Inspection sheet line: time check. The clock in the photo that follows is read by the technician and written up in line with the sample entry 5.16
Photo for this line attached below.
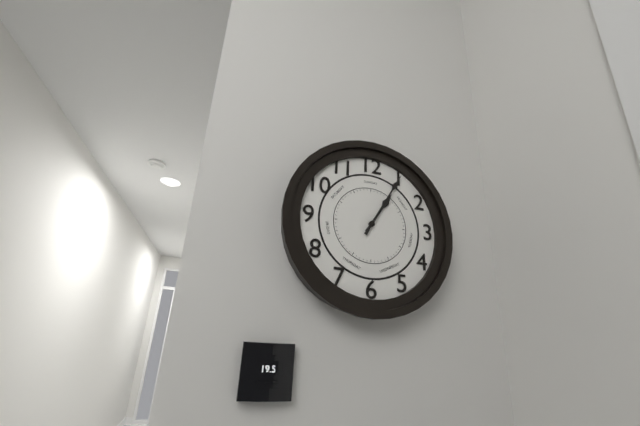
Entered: 1.05
